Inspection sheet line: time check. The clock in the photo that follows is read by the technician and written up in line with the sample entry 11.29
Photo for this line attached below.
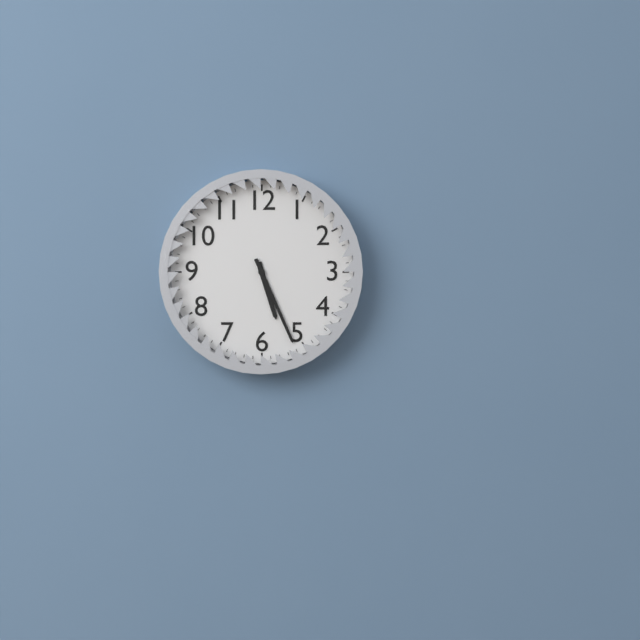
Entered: 5.26
